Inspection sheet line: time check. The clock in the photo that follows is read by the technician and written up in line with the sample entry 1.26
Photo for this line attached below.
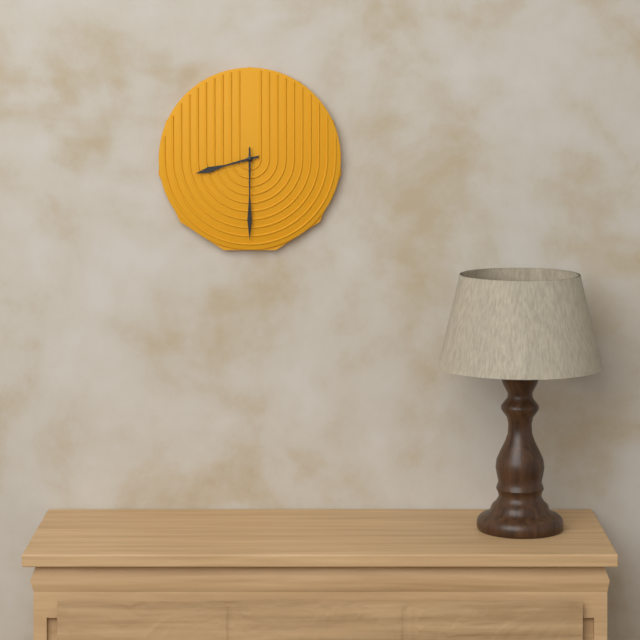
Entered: 8.30
